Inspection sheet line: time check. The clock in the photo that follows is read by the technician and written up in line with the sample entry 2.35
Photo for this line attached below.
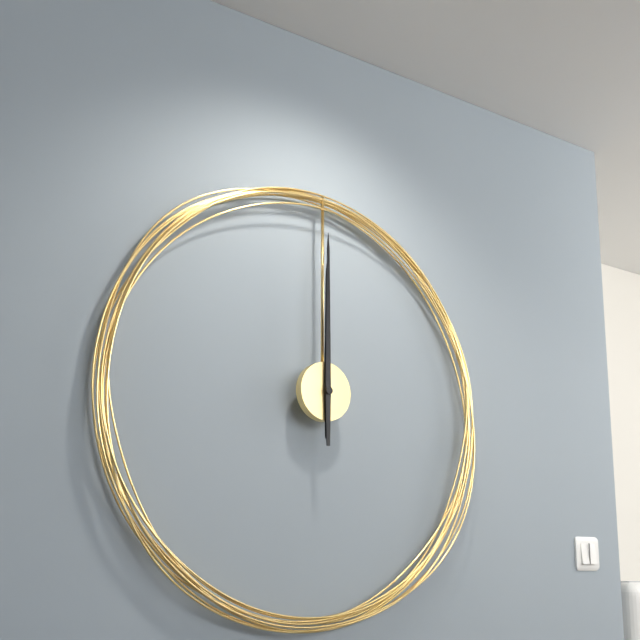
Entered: 12.00
